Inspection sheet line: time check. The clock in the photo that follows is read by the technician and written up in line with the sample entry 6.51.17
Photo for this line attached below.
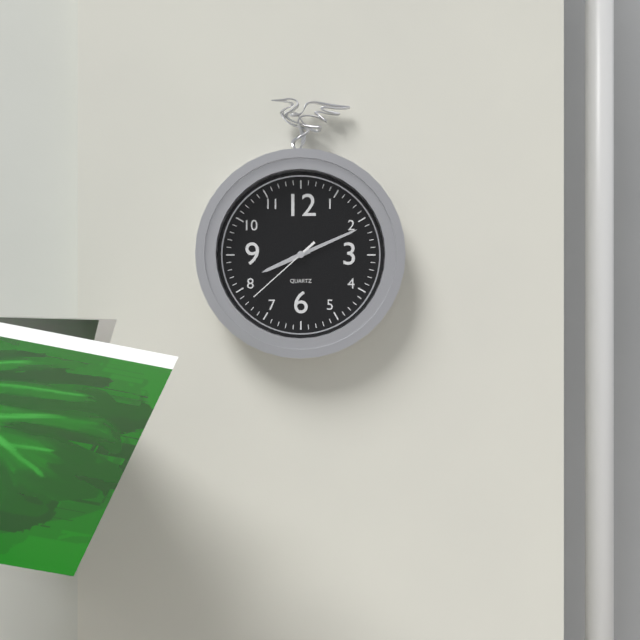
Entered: 8.11.38
